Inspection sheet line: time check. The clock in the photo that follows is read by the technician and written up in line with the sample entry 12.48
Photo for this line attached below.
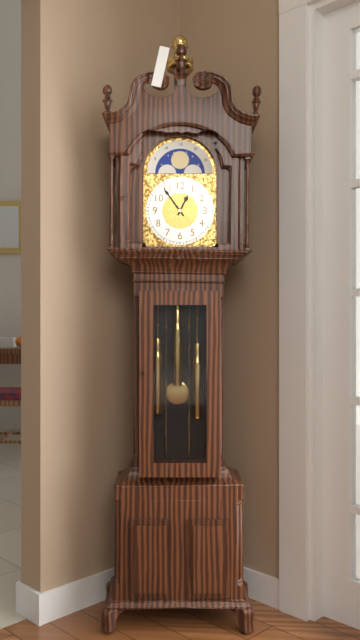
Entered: 12.54
